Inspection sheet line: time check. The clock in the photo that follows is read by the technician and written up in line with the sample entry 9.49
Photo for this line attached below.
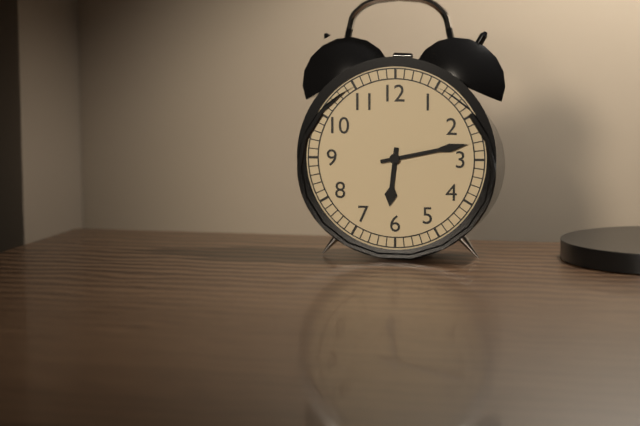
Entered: 6.13
